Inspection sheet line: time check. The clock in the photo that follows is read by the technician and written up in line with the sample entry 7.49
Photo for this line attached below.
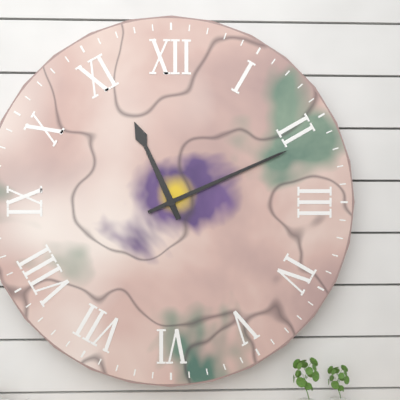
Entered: 11.11
